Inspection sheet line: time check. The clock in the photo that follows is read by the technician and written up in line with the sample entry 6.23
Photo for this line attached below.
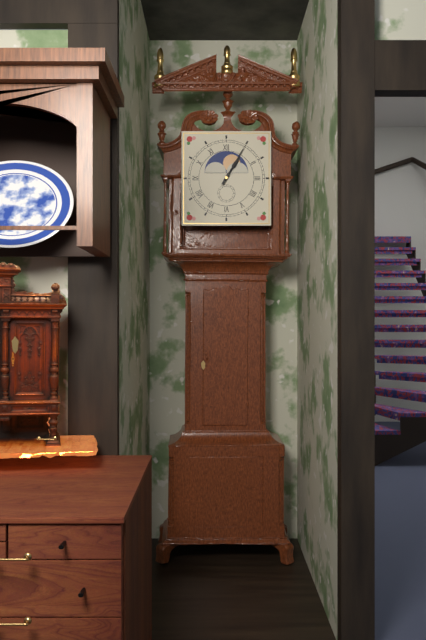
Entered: 1.05
